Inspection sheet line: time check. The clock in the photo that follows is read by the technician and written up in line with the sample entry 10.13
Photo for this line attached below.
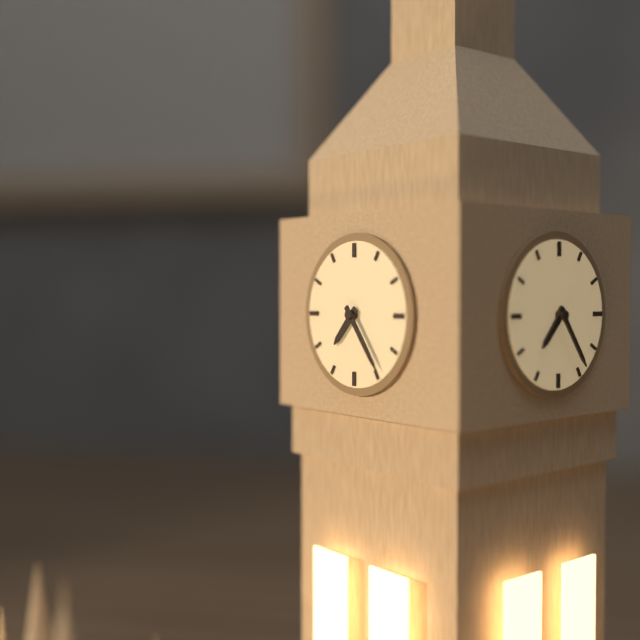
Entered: 7.24
